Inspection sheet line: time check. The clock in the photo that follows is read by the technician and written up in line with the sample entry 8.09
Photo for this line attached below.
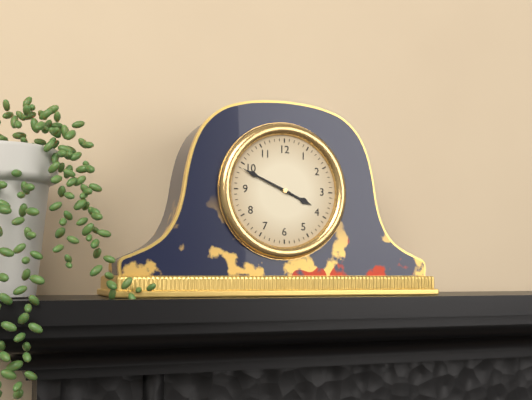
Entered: 3.49
